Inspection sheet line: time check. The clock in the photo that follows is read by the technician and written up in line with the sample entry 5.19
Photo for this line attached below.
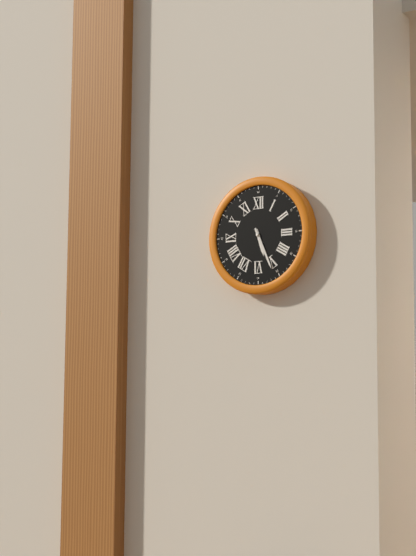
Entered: 5.26
